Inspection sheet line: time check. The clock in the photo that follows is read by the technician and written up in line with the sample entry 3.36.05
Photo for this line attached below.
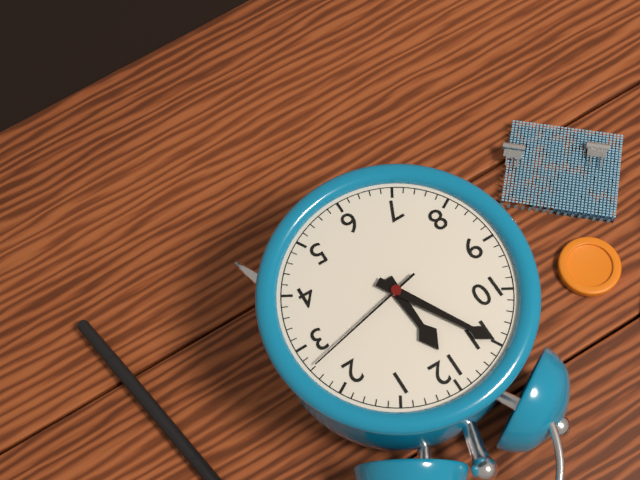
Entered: 11.55.13
